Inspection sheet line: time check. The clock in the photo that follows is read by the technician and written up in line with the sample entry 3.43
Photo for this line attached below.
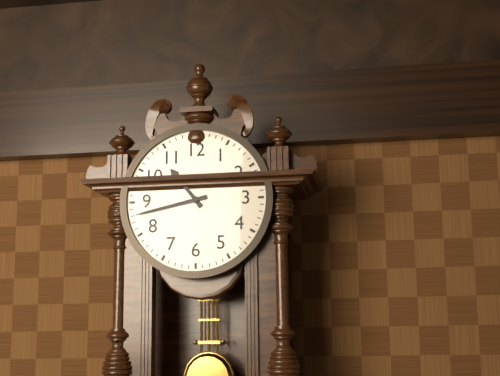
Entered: 10.43
